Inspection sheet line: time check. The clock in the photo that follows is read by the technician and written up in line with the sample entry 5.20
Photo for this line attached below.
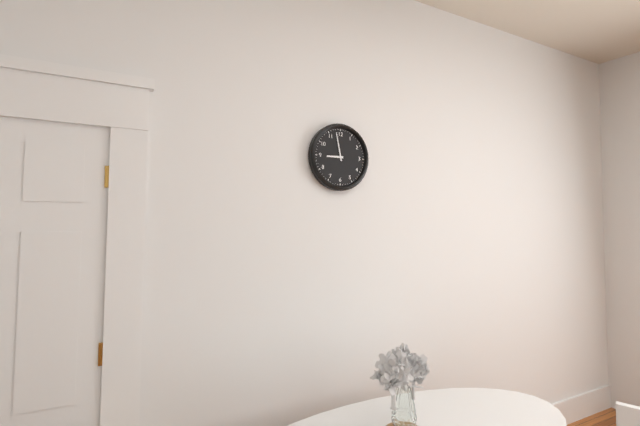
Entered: 8.58
